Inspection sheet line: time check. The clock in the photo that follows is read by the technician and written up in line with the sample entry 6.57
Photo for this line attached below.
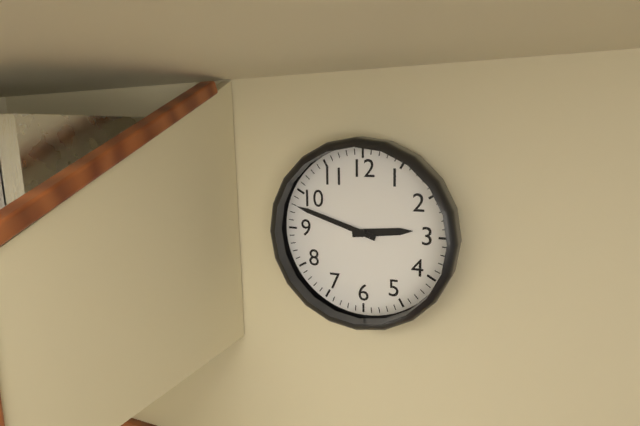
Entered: 2.48
